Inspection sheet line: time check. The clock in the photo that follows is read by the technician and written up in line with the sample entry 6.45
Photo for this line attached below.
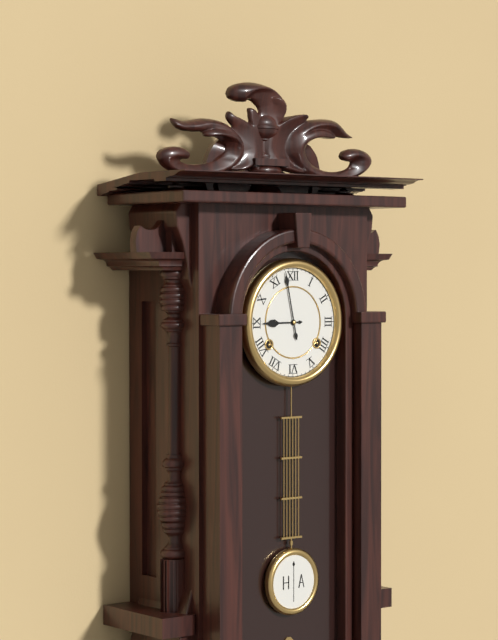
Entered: 8.58
